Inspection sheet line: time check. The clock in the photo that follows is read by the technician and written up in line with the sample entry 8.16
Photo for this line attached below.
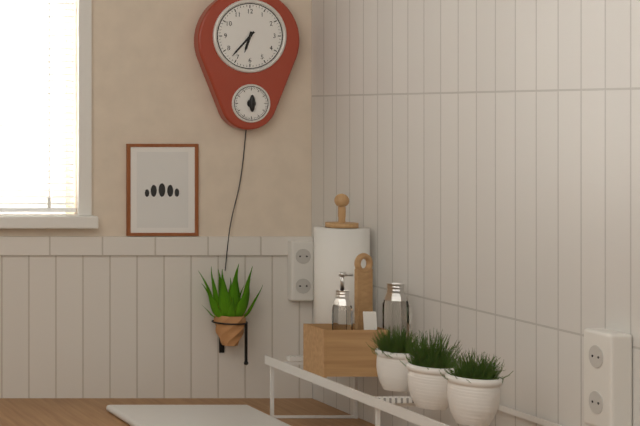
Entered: 6.37
